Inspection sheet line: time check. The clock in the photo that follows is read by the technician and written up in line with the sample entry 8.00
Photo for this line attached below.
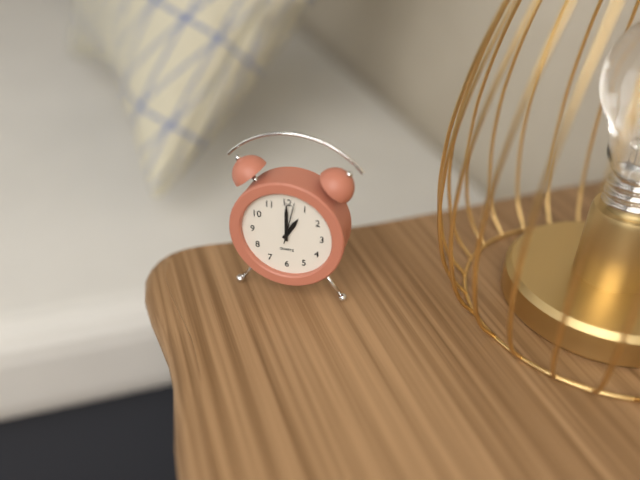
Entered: 1.00
